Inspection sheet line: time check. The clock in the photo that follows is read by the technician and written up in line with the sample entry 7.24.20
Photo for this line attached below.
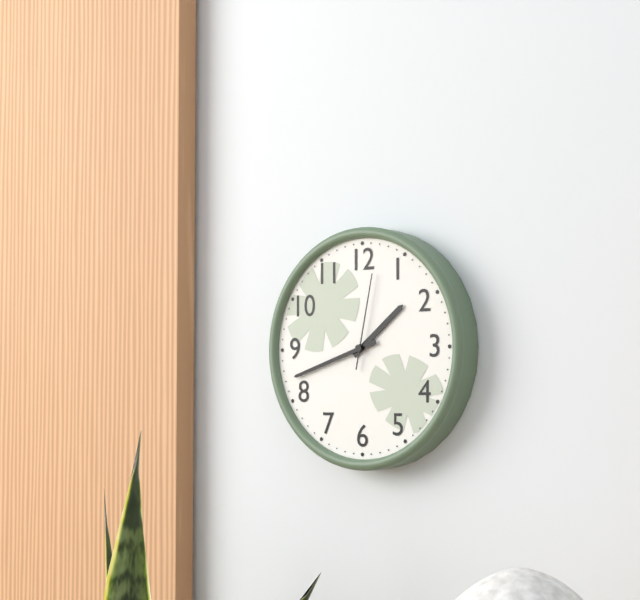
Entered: 1.42.02
